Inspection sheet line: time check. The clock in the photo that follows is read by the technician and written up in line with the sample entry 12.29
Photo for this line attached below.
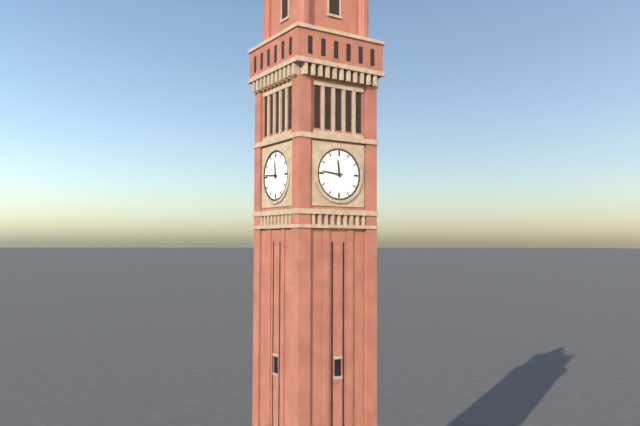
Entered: 11.46
